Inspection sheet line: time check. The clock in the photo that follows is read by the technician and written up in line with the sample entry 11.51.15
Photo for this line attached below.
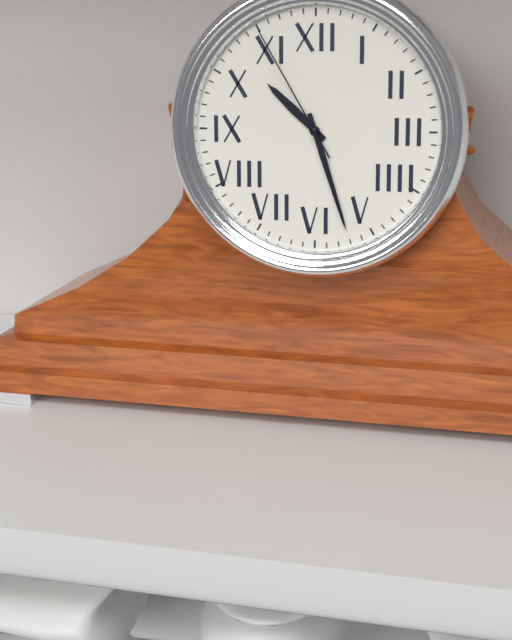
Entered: 10.27.55
